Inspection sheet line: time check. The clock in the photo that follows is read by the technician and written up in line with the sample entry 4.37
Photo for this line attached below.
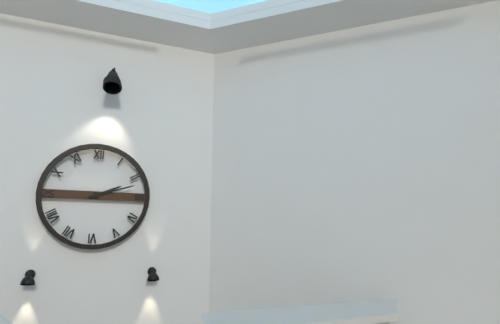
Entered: 2.12
